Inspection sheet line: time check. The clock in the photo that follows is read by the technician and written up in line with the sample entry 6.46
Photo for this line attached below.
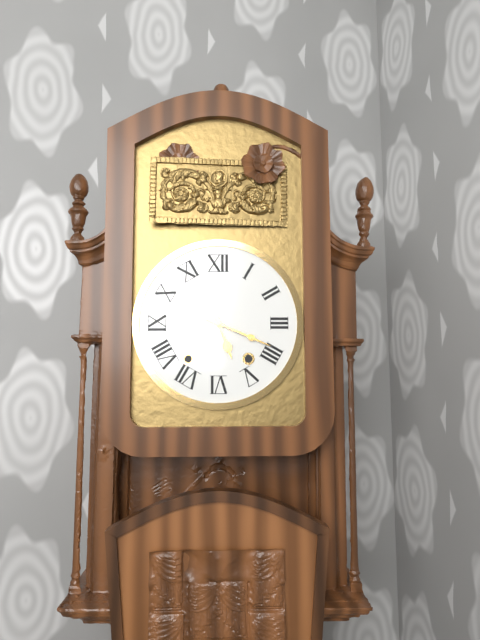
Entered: 5.19
